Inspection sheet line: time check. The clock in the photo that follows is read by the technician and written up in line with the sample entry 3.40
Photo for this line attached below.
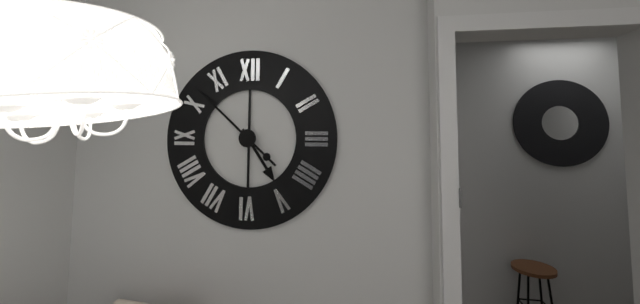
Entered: 4.52
